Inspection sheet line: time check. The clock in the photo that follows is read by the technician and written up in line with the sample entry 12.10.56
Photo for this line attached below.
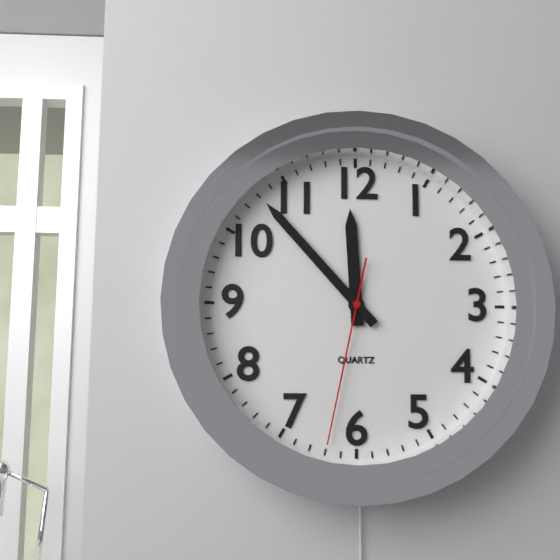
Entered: 11.53.32
